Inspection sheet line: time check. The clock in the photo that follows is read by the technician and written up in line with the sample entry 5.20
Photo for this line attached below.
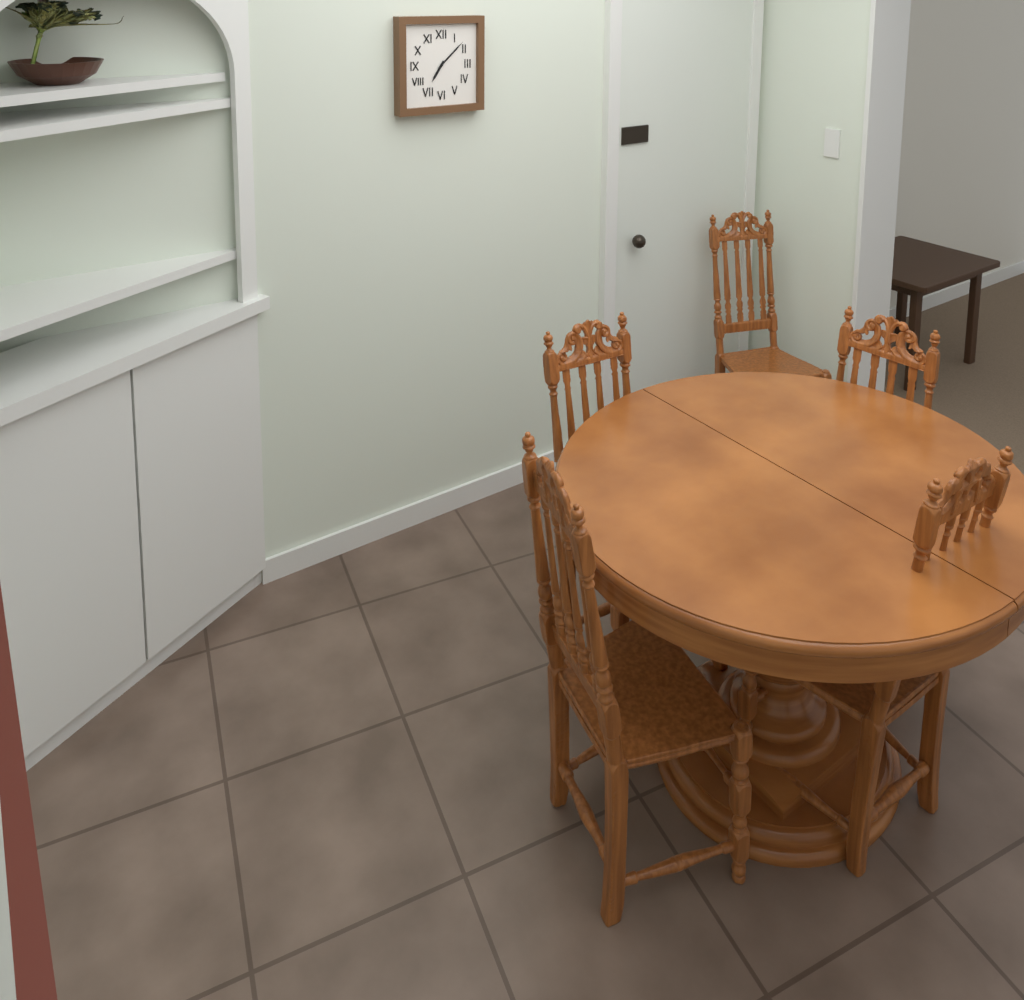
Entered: 7.08
